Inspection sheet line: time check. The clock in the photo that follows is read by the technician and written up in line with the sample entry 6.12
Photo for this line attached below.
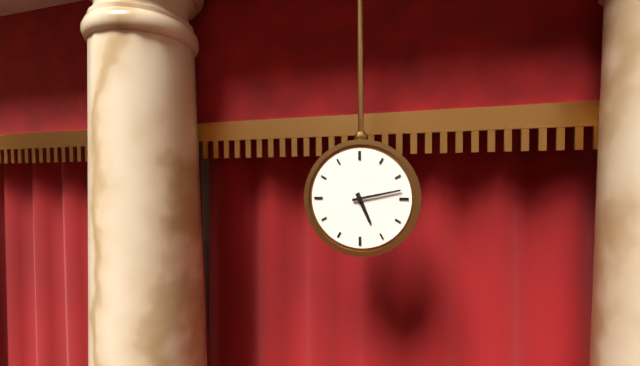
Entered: 5.13
